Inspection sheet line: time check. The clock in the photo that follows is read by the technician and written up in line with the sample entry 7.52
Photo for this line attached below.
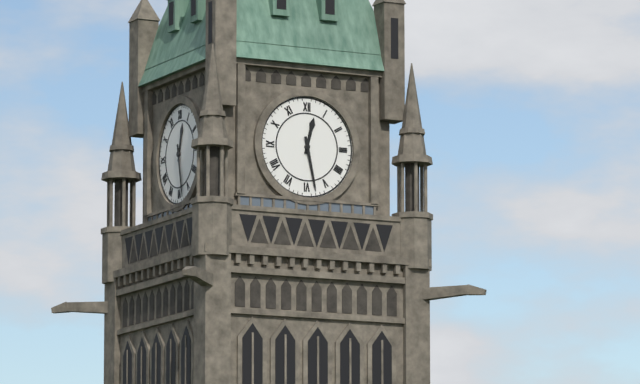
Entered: 12.28
